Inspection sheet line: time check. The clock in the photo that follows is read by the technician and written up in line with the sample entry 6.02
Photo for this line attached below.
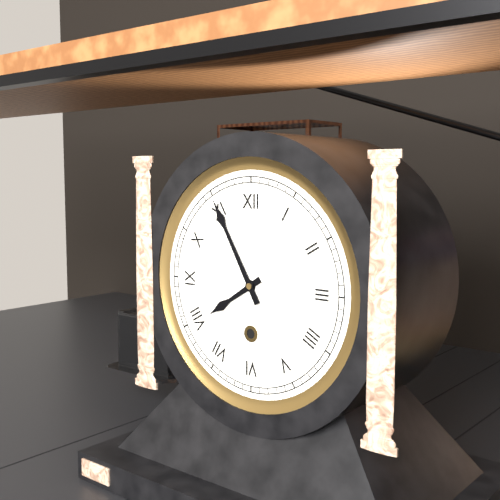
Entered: 7.55
